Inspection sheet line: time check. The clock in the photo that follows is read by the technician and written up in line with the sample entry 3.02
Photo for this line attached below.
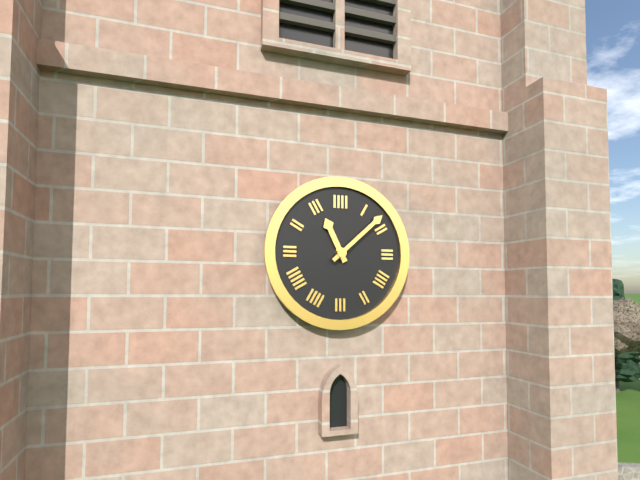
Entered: 11.08
